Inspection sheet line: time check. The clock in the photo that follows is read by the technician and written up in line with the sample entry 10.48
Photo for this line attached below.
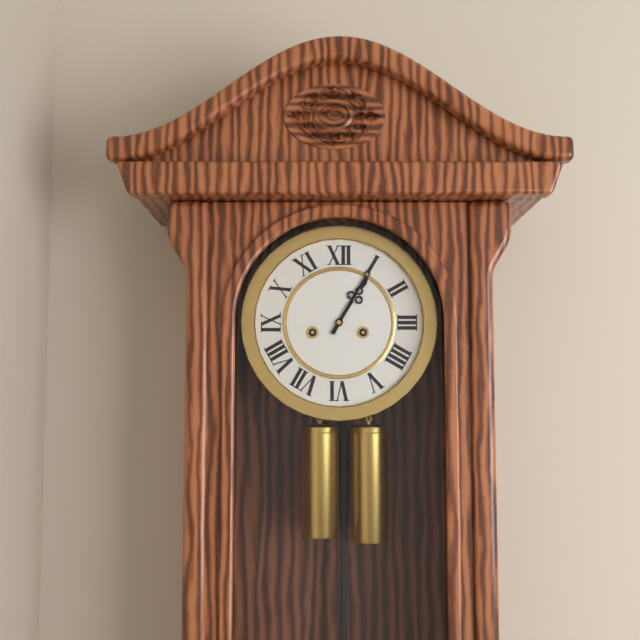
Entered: 1.05
